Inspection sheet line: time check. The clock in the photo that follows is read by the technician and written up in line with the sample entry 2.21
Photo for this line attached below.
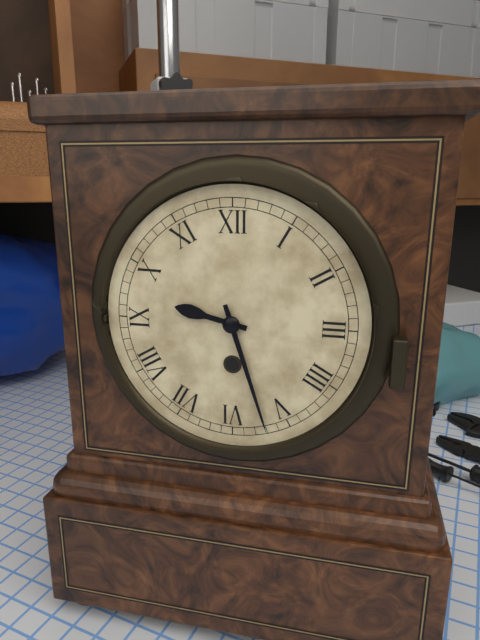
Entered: 9.27
